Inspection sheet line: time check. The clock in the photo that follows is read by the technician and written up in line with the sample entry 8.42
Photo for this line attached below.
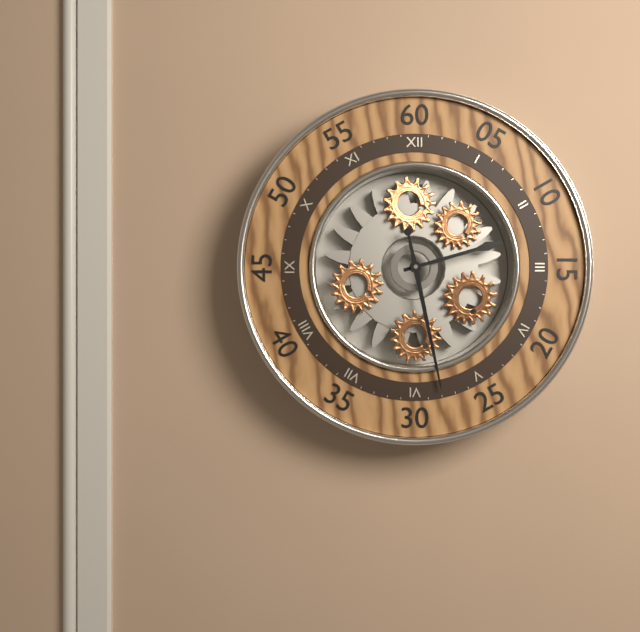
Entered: 2.28
